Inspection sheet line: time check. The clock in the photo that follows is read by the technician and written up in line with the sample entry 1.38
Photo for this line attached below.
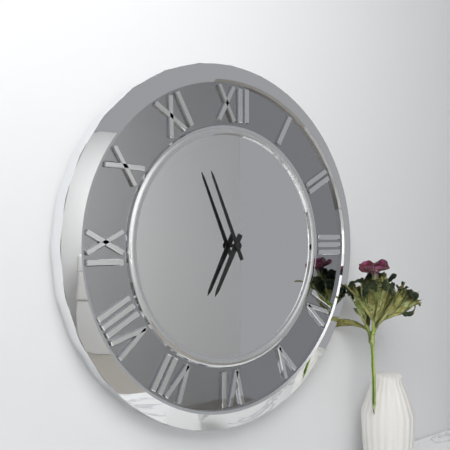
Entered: 6.56
